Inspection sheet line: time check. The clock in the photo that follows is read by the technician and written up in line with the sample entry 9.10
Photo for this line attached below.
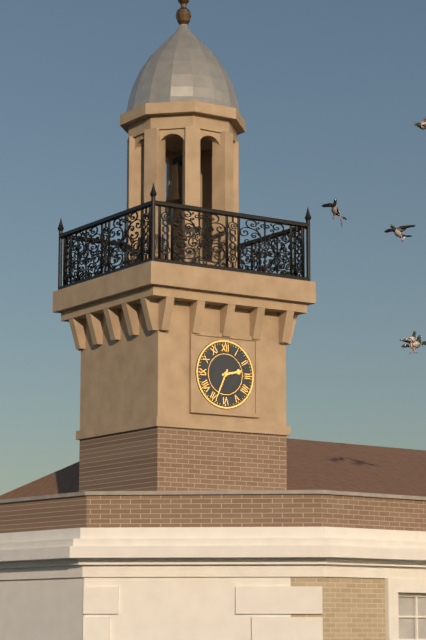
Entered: 2.34
